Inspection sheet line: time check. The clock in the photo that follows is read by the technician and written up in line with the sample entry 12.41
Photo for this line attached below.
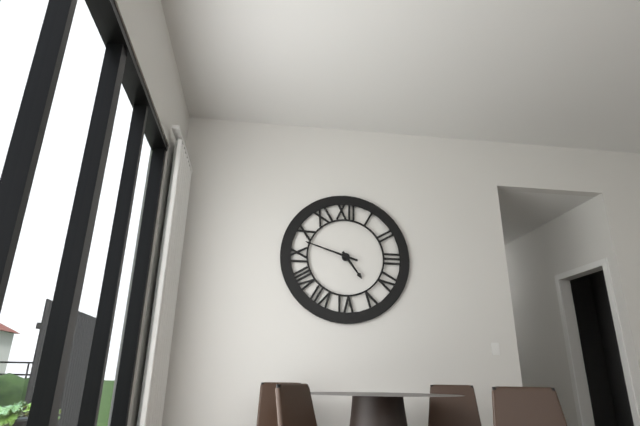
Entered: 4.48
